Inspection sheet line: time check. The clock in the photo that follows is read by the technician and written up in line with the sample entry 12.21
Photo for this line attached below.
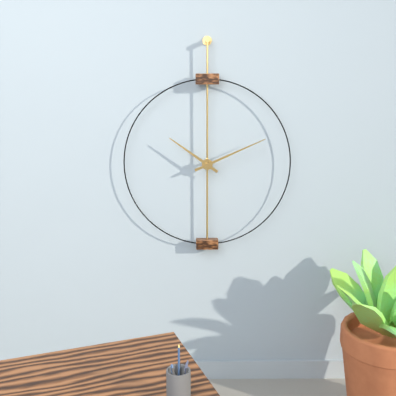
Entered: 10.11
